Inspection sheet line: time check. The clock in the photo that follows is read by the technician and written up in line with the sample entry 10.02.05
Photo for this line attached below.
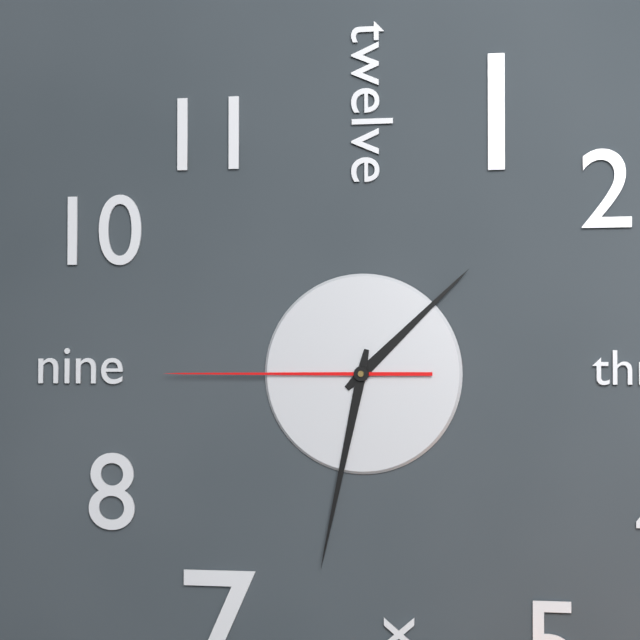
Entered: 1.32.45
